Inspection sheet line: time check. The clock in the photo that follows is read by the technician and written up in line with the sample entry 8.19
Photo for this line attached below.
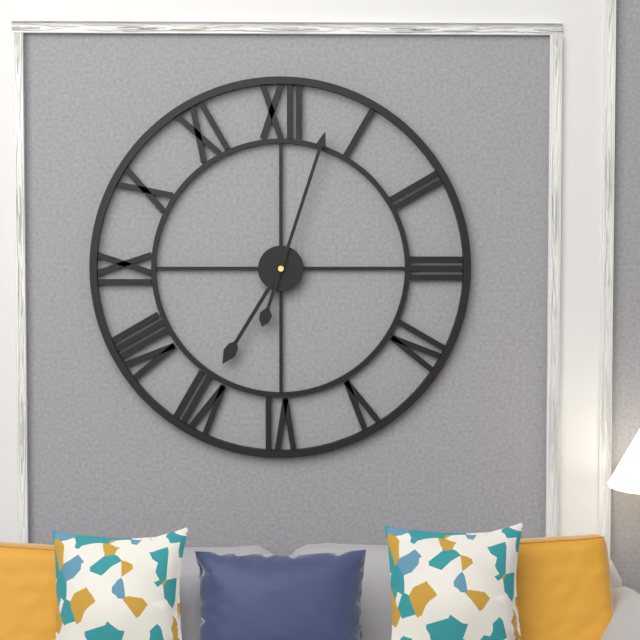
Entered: 7.03
